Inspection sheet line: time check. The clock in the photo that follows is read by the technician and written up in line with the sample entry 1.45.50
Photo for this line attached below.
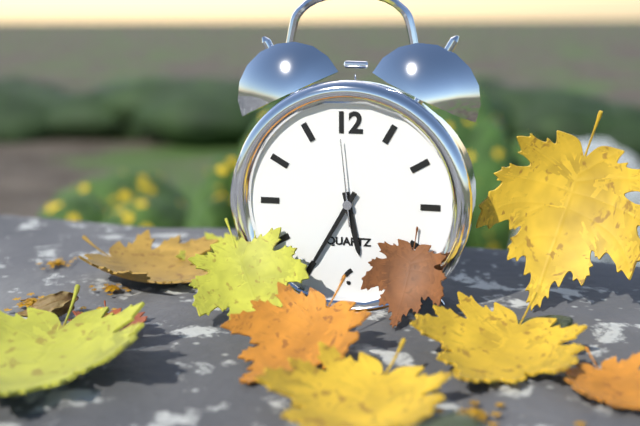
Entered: 5.35.59
